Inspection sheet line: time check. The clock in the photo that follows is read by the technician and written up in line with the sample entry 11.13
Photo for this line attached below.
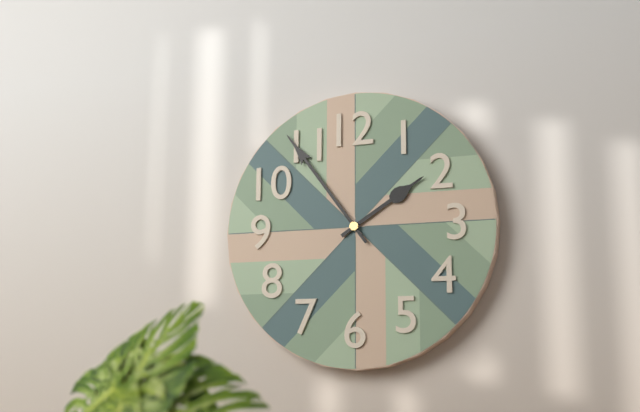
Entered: 1.54
